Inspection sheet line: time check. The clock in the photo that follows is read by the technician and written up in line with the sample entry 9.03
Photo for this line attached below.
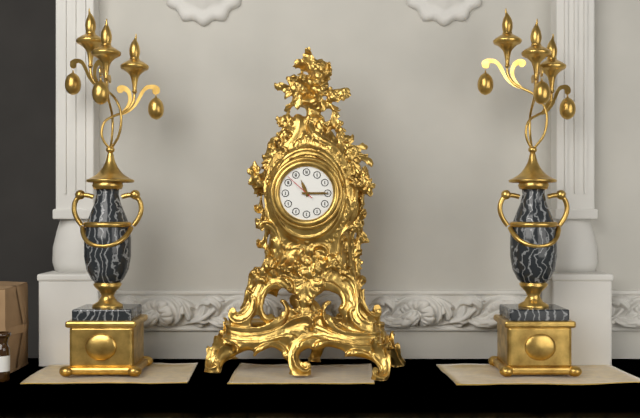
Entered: 11.15
